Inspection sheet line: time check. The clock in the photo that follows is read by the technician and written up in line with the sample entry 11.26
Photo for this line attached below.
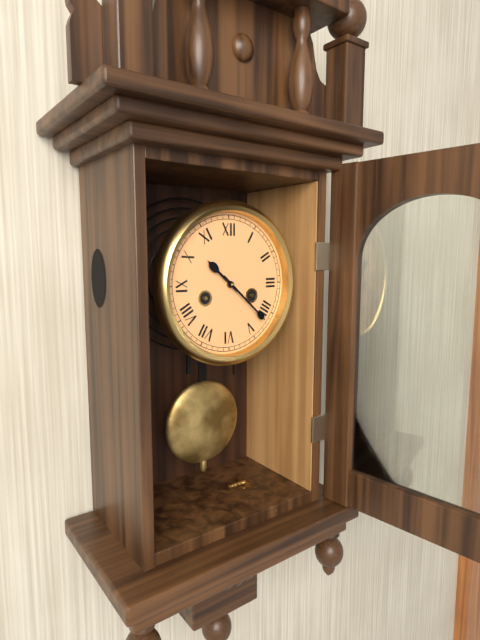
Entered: 10.22
